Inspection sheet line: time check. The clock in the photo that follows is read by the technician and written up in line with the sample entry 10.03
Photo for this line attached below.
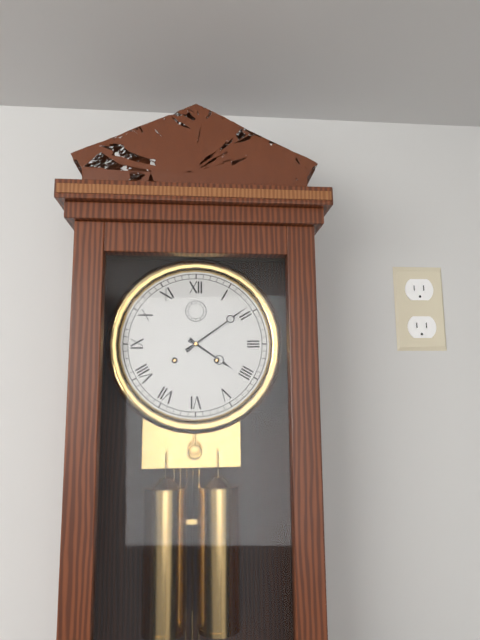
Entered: 4.09
